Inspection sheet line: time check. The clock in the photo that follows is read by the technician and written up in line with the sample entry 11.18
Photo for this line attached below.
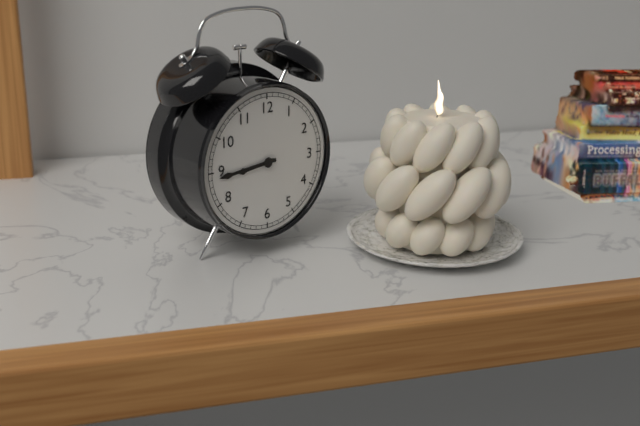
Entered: 8.44
